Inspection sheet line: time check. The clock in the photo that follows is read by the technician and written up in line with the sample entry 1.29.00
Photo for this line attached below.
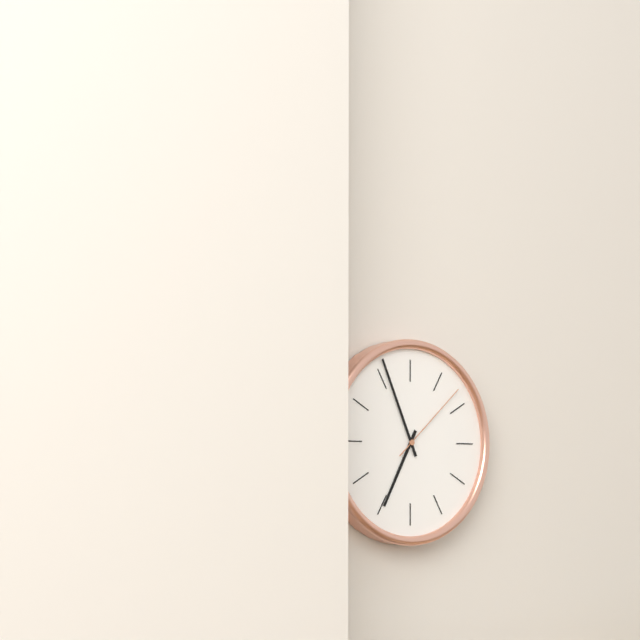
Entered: 6.56.08
